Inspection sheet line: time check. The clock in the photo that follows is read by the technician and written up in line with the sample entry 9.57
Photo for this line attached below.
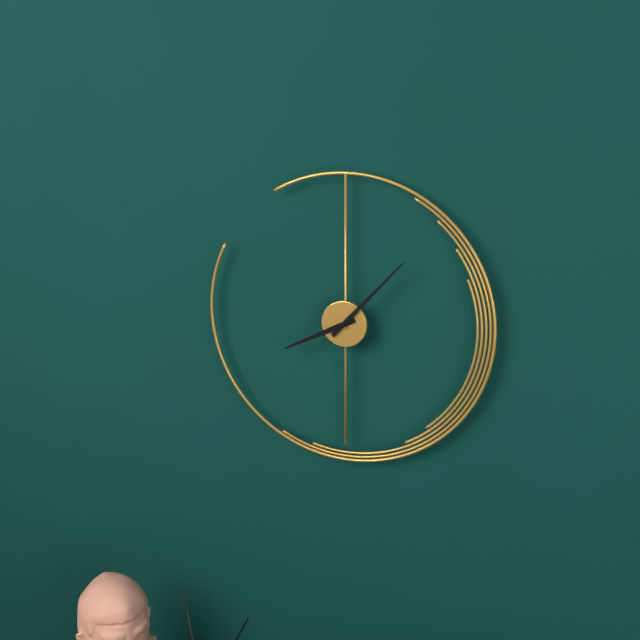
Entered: 8.07
